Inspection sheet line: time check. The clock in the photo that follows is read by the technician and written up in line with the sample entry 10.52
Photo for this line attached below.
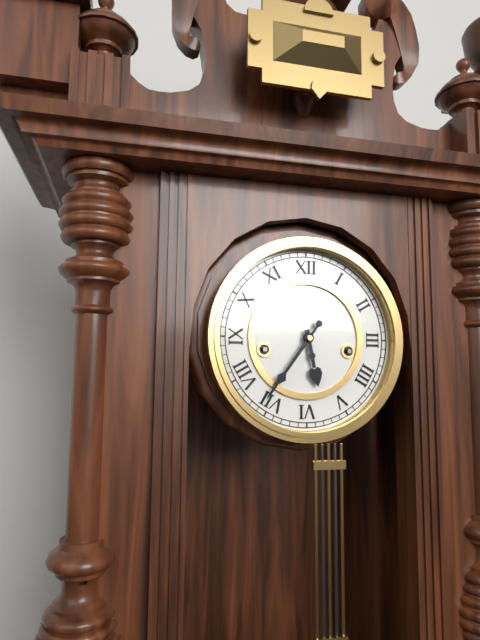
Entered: 5.36
